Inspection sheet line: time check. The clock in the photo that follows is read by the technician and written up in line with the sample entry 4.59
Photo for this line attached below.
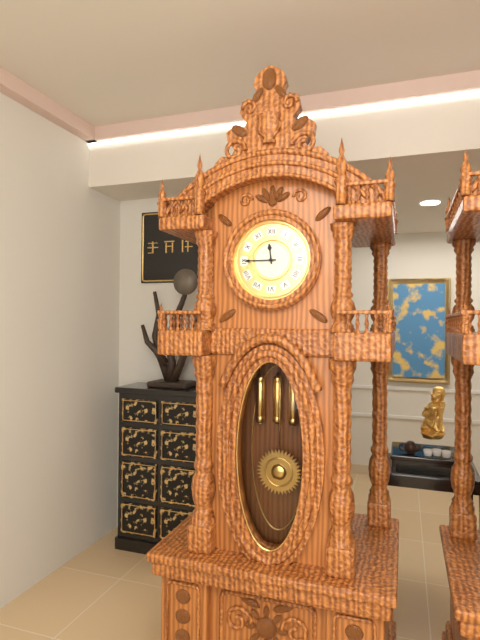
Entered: 11.45
